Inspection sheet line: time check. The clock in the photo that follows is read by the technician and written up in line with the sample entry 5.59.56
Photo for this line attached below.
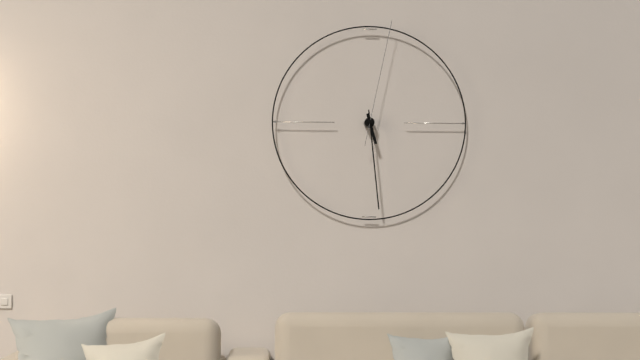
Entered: 5.29.02
